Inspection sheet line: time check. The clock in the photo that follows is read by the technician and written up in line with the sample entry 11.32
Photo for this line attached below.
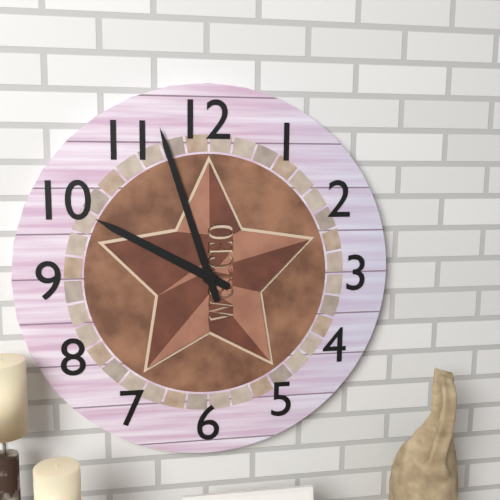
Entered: 9.57
